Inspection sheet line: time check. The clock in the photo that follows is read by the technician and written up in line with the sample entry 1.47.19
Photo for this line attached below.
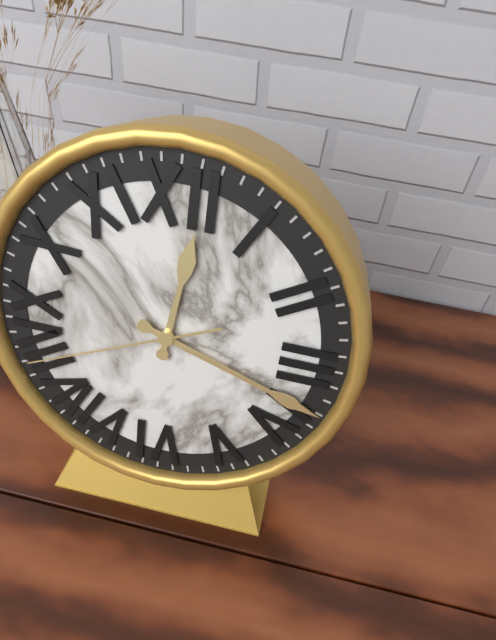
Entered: 12.18.41
